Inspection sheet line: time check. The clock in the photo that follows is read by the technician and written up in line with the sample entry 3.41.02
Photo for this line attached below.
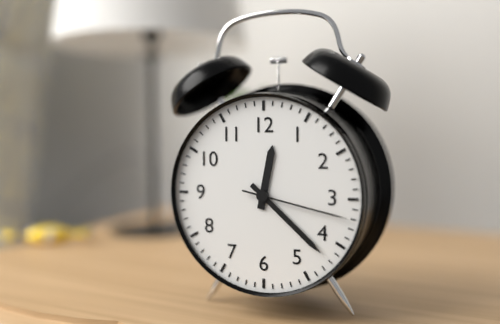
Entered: 12.22.17
